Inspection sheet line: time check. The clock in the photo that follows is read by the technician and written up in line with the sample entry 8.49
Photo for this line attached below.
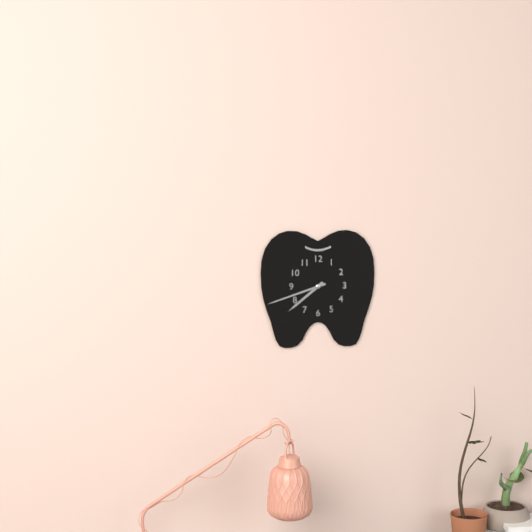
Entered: 7.42
